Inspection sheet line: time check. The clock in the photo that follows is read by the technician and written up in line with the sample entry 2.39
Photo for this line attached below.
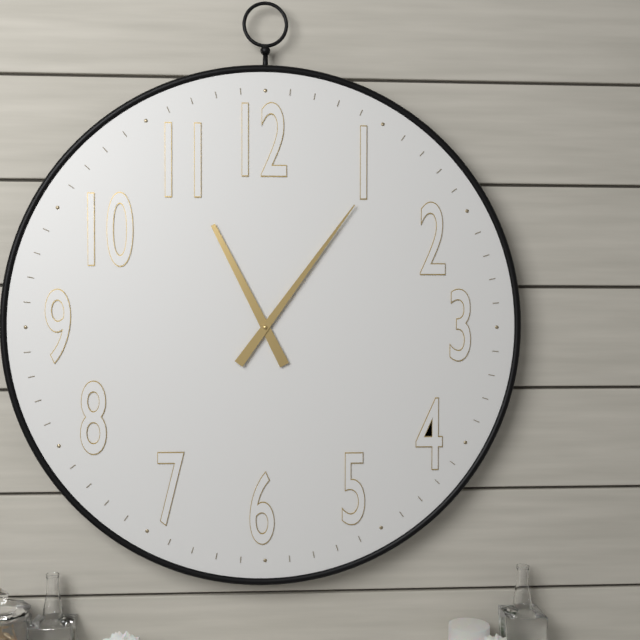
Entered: 11.06
